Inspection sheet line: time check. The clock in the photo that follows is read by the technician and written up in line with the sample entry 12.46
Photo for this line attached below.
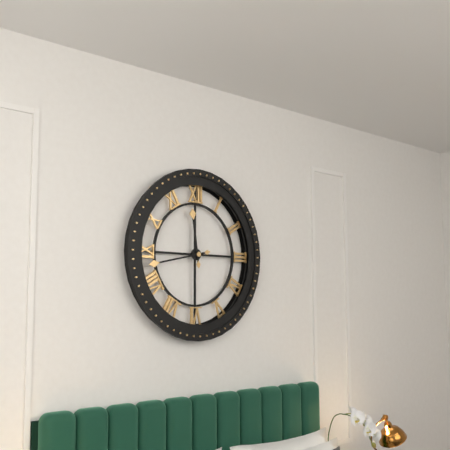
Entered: 11.43
